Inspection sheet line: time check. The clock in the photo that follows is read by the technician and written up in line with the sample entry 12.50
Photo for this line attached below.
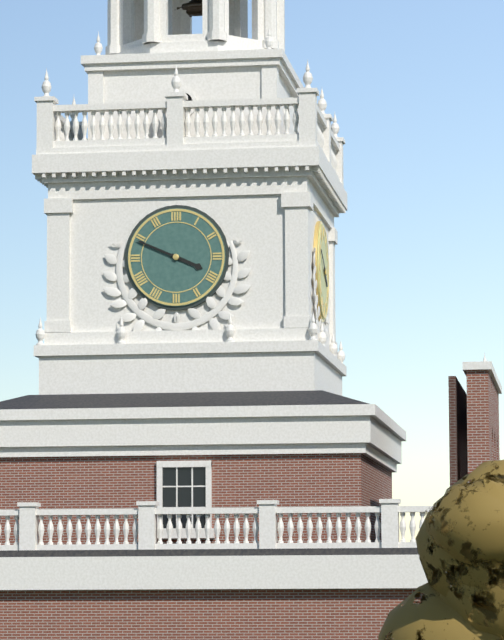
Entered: 3.49
